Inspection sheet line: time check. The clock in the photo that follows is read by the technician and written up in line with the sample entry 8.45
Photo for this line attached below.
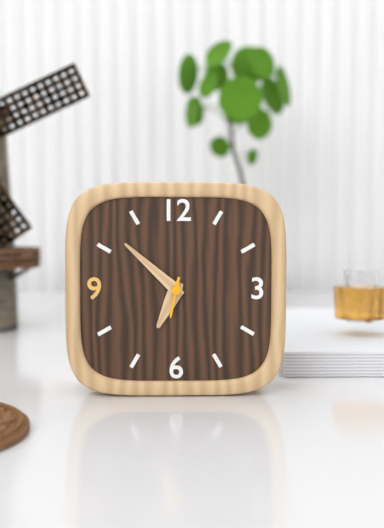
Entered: 6.52
